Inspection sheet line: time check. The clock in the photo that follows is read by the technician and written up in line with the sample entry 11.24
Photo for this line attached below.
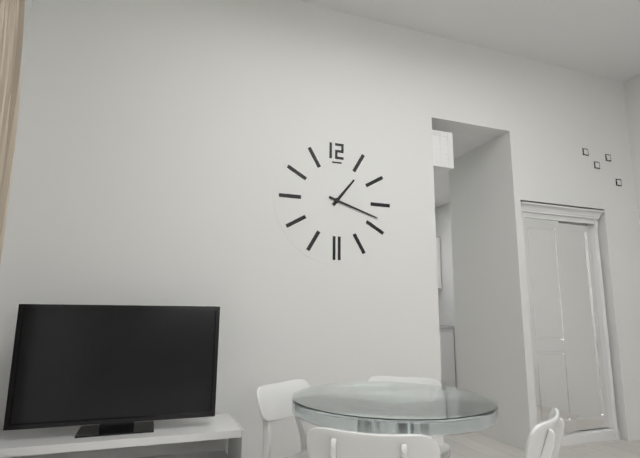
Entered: 1.18
